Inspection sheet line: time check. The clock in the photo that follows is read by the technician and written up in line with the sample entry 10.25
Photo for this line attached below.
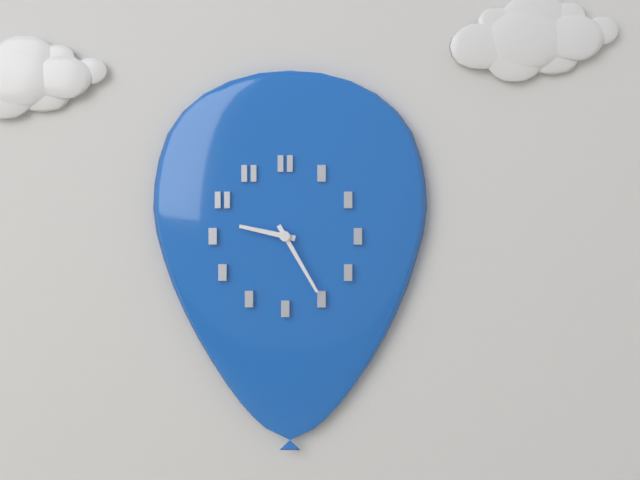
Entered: 9.25
